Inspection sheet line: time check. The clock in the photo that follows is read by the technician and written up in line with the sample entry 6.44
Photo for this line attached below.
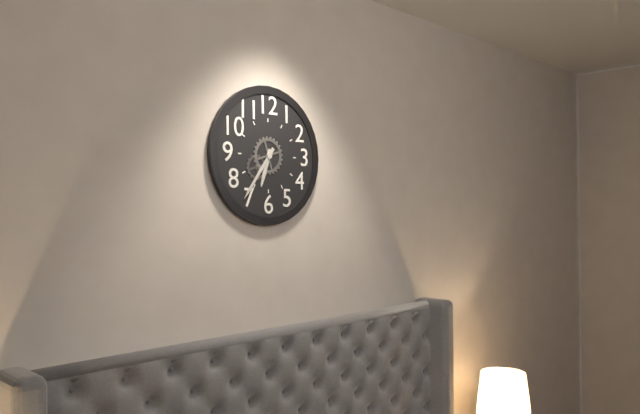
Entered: 6.36
